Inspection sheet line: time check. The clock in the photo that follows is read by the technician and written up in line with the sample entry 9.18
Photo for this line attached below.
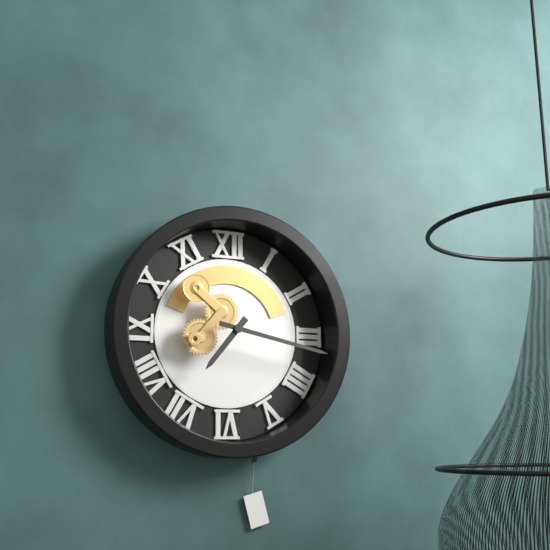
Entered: 7.17
